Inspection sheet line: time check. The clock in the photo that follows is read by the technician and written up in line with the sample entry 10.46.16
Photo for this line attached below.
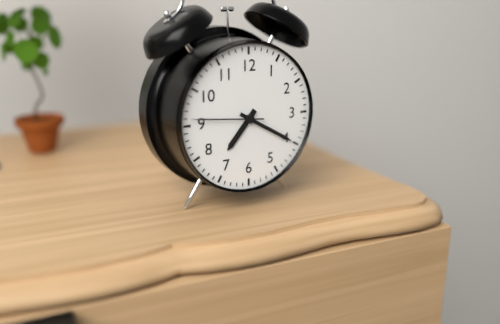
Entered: 7.20.46
